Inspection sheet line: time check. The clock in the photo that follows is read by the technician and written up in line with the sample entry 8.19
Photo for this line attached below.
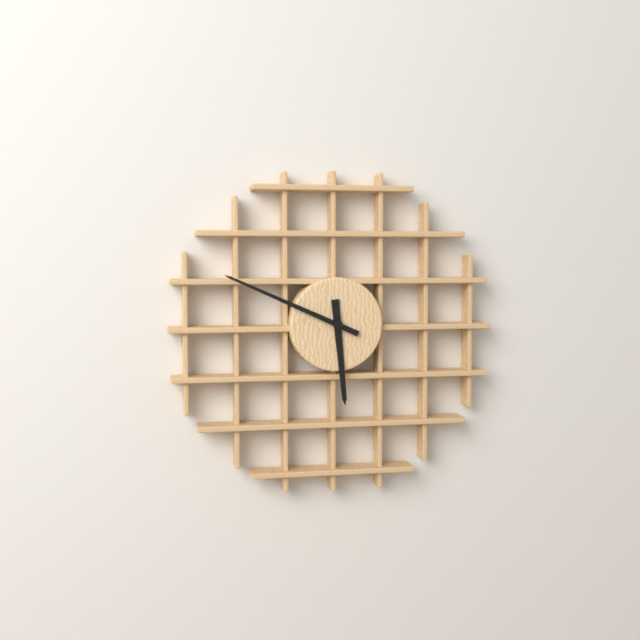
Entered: 5.49
